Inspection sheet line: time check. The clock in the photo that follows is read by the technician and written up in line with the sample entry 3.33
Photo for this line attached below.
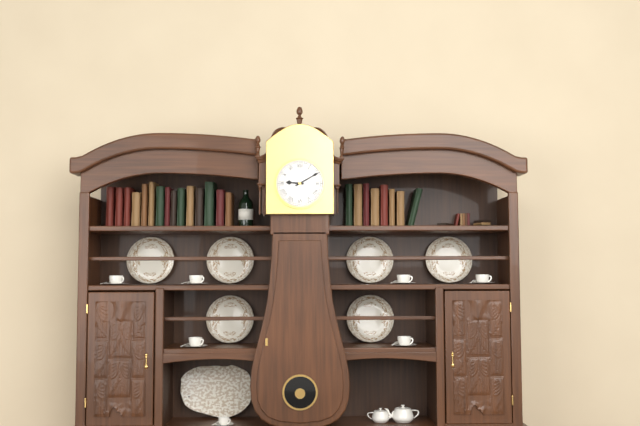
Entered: 9.10
